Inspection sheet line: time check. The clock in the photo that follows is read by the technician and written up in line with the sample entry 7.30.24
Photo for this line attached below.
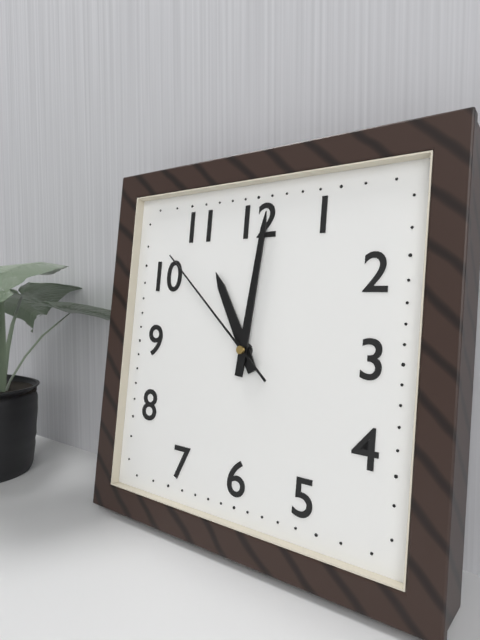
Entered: 11.01.52
